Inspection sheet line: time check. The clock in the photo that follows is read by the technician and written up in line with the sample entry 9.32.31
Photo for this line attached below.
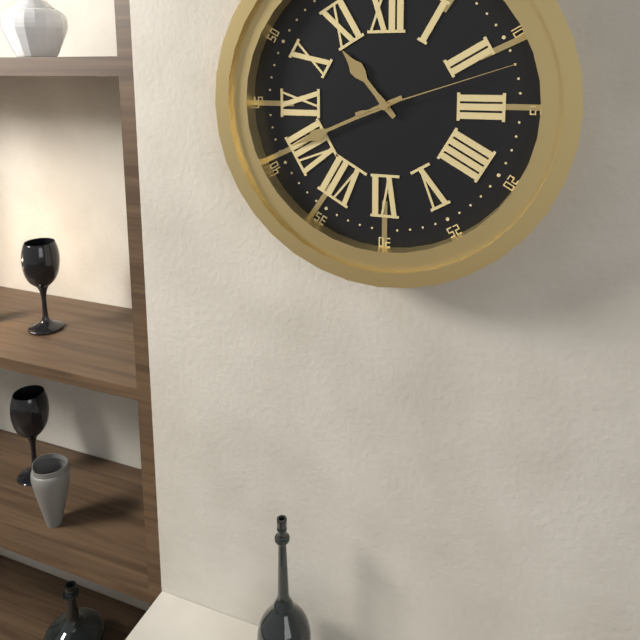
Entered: 10.41.12
